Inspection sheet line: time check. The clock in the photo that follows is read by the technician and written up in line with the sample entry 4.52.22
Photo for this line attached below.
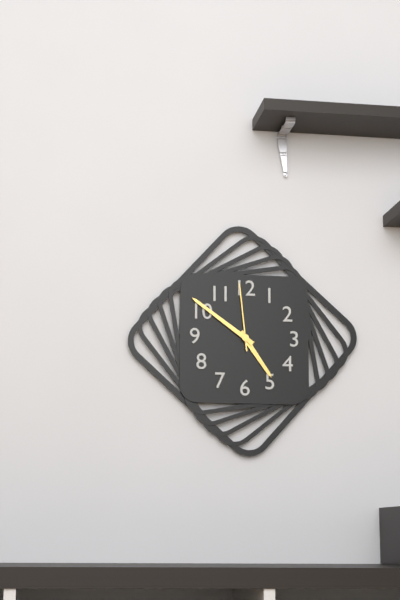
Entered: 4.51.59
